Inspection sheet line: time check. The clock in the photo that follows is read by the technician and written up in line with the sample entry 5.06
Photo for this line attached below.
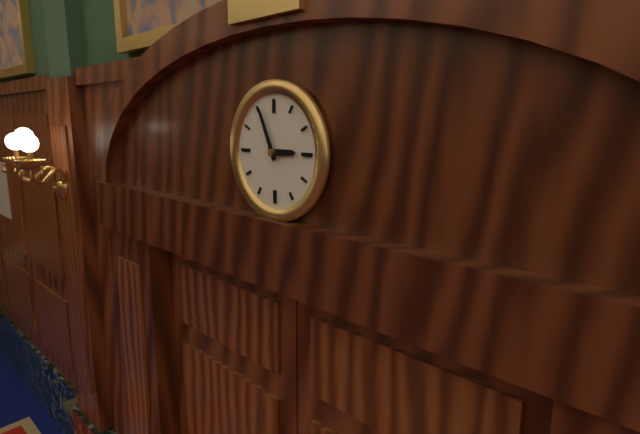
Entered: 2.56
